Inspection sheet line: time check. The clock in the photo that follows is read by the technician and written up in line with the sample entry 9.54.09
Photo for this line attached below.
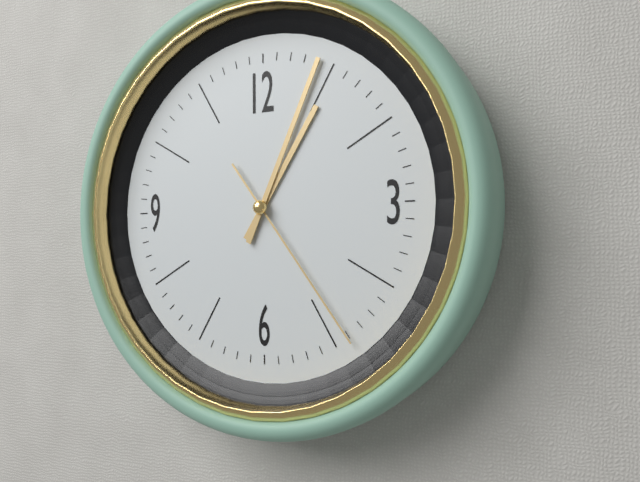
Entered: 1.04.24
